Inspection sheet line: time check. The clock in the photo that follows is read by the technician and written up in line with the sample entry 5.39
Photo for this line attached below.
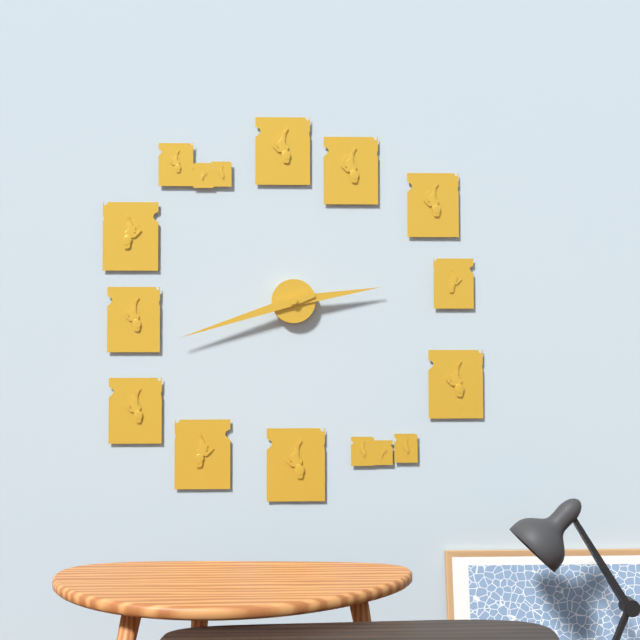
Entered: 2.42
